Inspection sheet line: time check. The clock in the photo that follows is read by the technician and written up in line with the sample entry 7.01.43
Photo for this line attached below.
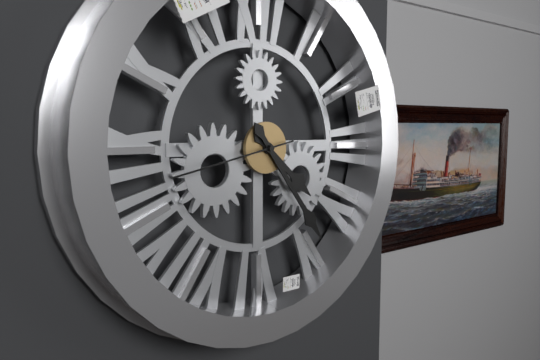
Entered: 4.24.43
